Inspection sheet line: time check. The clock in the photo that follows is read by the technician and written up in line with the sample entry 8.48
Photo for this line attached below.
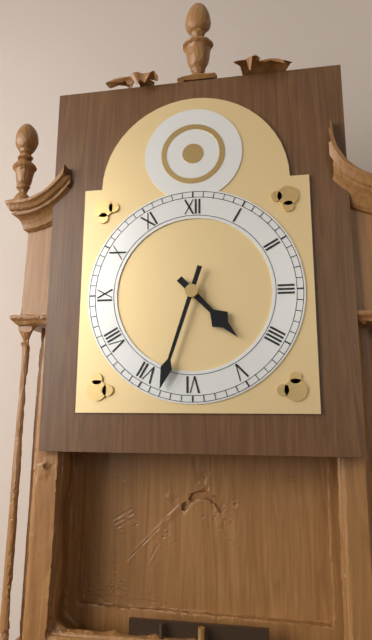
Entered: 4.33
